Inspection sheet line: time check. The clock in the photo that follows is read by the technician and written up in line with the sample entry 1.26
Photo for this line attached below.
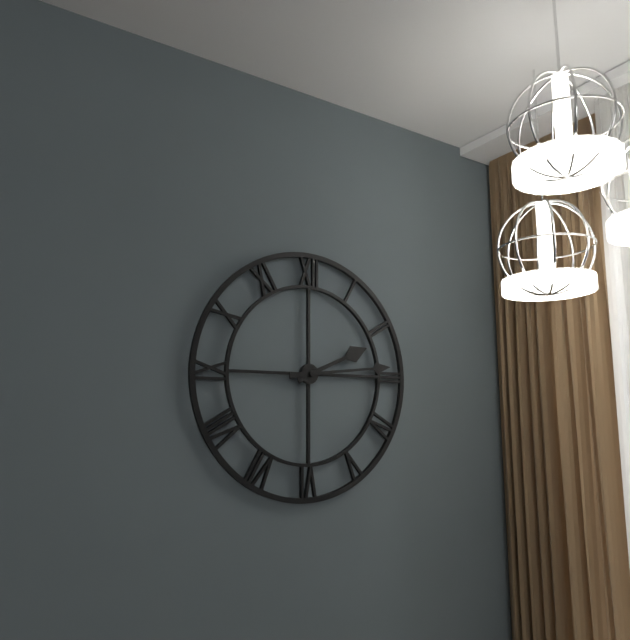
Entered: 2.14
